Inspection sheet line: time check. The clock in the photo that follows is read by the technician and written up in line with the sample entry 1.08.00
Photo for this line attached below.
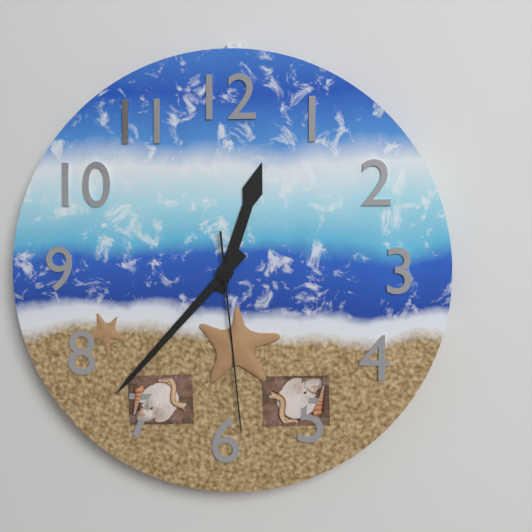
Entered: 12.37.29
